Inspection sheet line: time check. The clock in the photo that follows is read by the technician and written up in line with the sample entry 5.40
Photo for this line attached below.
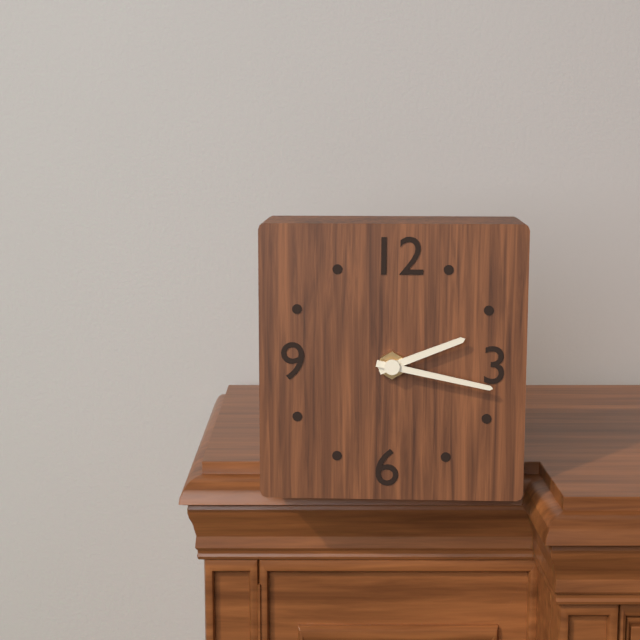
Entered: 2.17
